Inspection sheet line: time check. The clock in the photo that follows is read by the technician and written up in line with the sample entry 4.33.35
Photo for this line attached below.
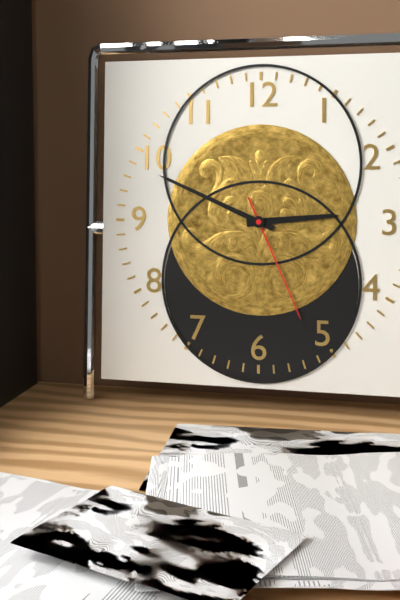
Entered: 2.49.26
